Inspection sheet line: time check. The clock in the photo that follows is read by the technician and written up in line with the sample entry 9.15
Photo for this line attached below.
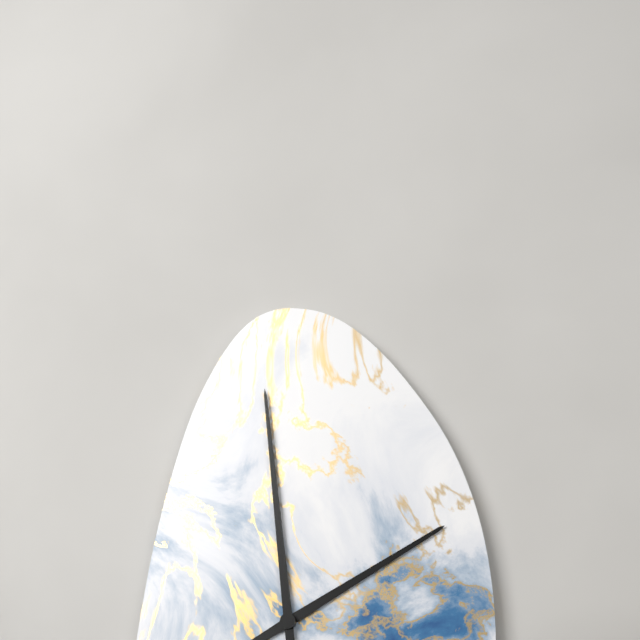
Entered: 1.59
